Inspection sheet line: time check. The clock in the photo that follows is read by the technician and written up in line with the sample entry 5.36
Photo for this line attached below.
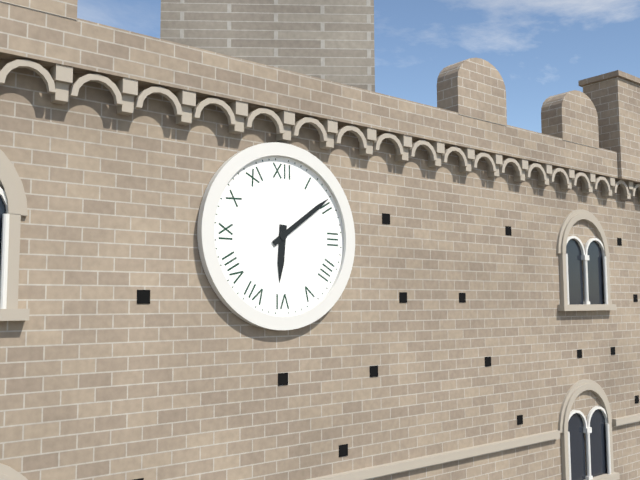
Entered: 6.09
